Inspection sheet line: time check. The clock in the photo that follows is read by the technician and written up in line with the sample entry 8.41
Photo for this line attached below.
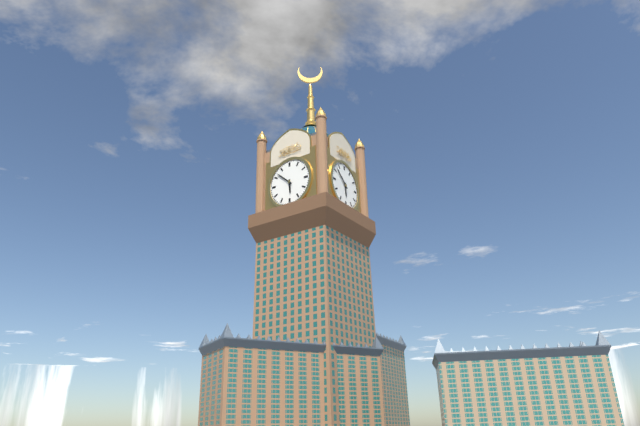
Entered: 5.52
